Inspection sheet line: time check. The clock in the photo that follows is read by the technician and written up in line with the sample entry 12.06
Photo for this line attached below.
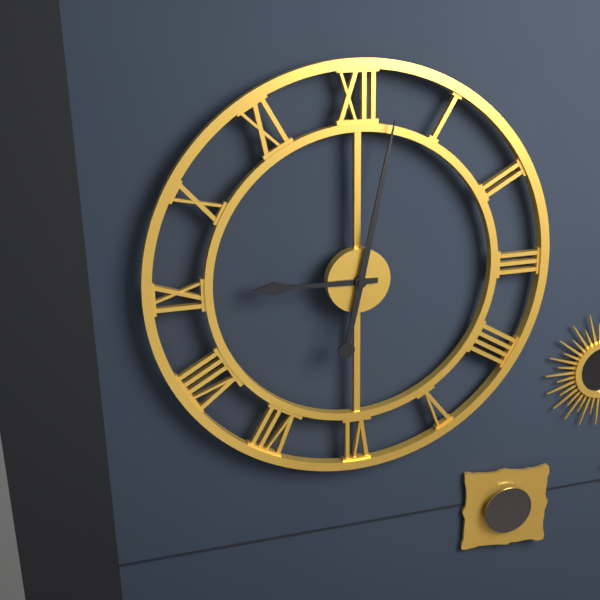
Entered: 9.02
